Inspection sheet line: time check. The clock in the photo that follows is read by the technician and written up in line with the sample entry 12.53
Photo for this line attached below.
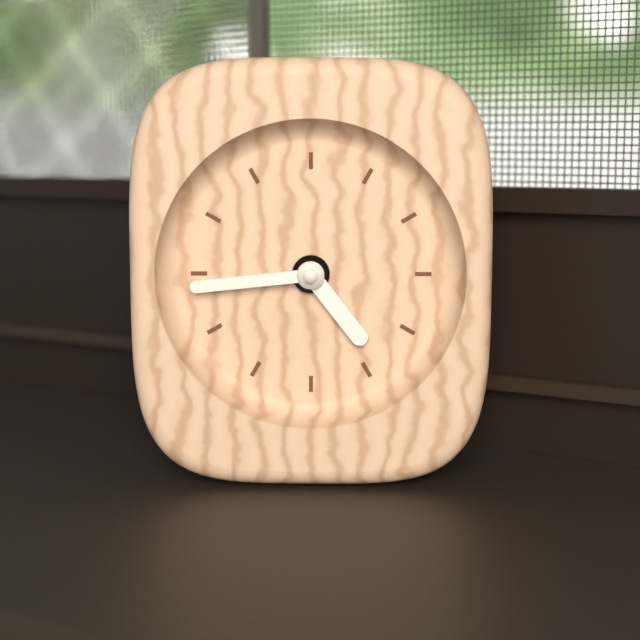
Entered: 4.44
